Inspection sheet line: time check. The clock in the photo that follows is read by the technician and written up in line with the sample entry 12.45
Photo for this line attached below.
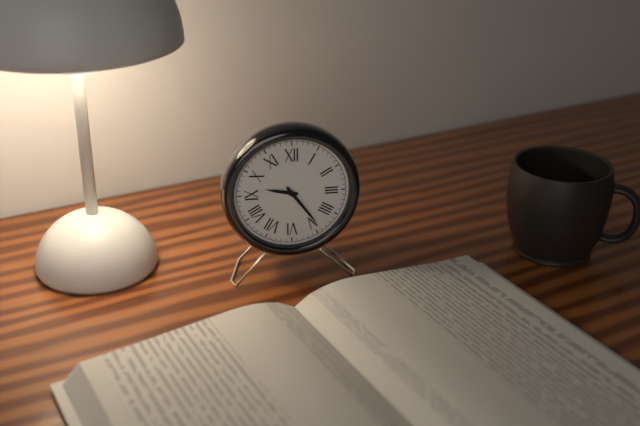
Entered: 9.24
